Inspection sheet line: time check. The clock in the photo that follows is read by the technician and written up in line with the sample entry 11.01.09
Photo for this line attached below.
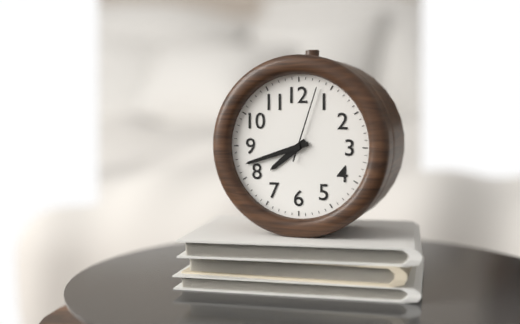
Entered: 7.42.03
